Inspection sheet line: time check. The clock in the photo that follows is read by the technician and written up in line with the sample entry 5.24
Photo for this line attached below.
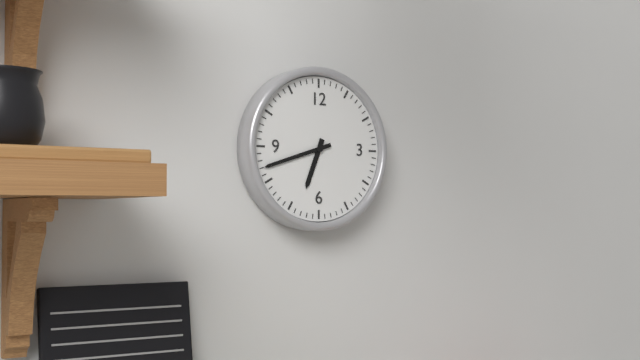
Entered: 6.42
